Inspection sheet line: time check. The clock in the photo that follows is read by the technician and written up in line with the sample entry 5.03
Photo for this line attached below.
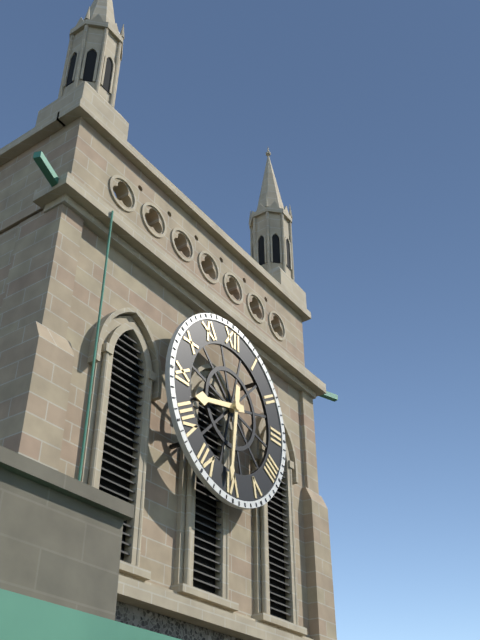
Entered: 8.31
